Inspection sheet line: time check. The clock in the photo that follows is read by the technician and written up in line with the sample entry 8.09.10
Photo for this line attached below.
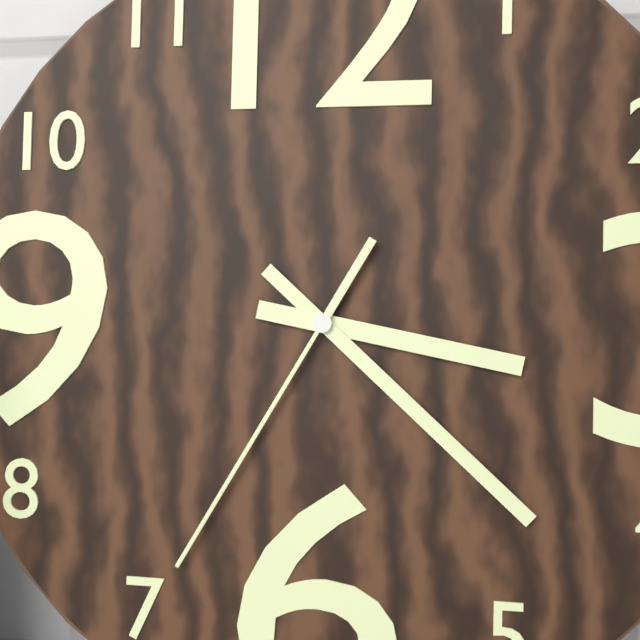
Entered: 3.22.35
